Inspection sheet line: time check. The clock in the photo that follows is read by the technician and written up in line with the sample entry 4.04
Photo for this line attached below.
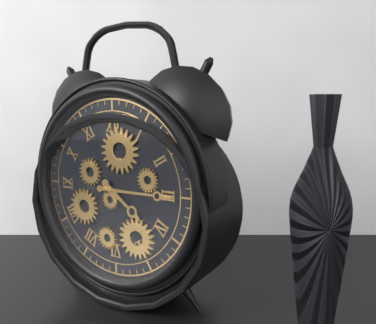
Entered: 4.15
